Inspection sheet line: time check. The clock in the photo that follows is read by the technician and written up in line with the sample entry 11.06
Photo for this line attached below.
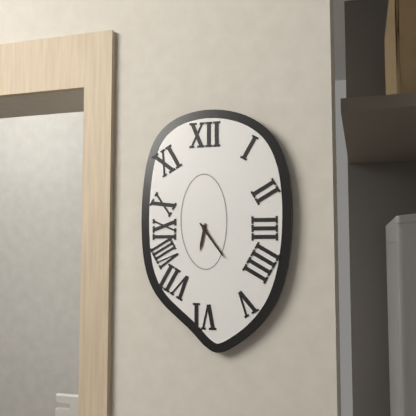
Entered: 6.24
